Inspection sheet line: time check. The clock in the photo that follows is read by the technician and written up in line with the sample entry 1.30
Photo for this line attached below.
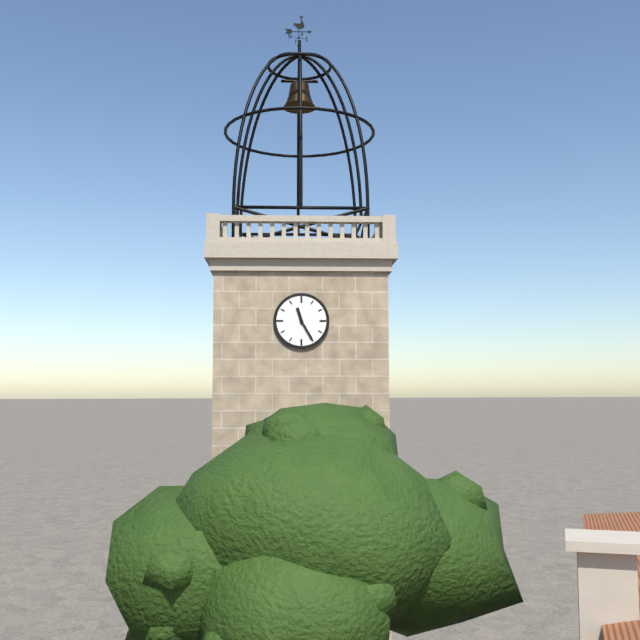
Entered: 11.25
